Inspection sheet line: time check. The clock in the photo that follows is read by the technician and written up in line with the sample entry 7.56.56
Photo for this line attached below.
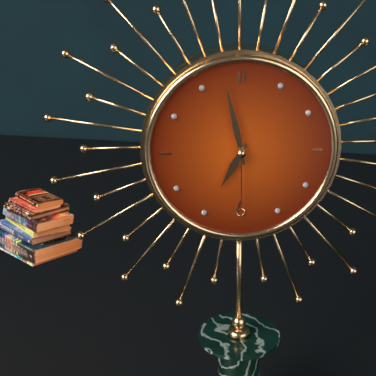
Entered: 6.58.30
